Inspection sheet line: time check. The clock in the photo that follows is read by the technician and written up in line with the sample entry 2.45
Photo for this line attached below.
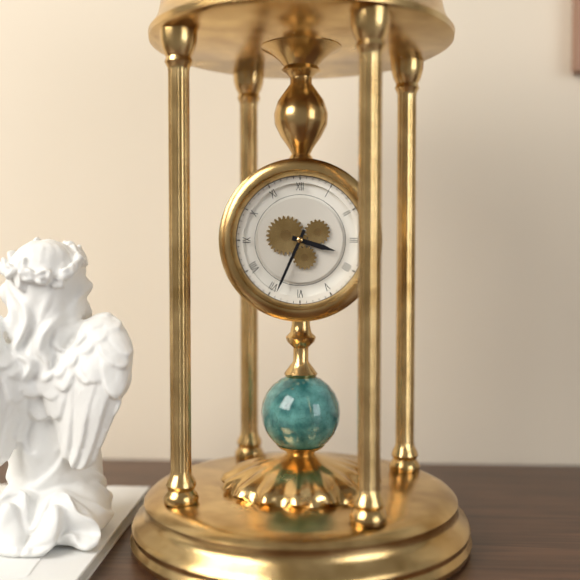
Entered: 3.34
